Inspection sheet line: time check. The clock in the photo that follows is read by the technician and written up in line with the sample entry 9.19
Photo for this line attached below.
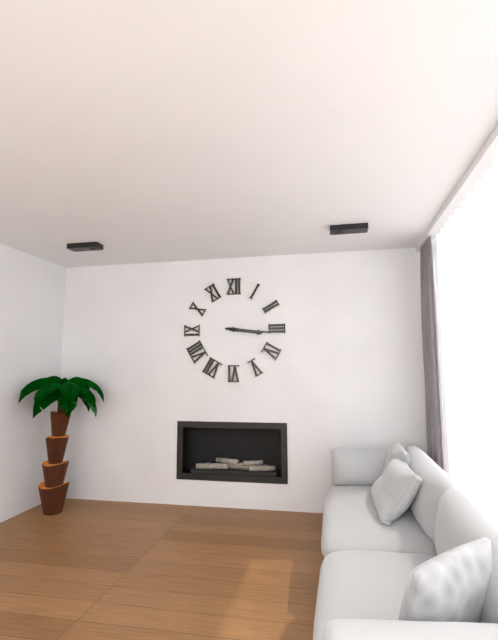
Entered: 3.16
